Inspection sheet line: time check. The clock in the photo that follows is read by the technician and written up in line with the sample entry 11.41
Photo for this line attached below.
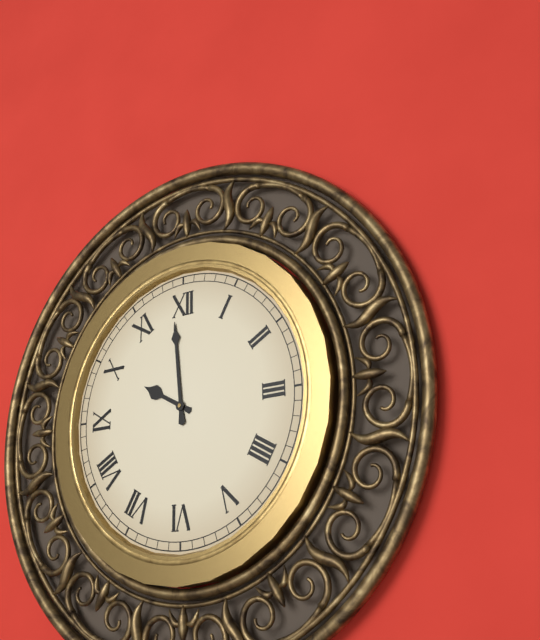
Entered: 9.59
